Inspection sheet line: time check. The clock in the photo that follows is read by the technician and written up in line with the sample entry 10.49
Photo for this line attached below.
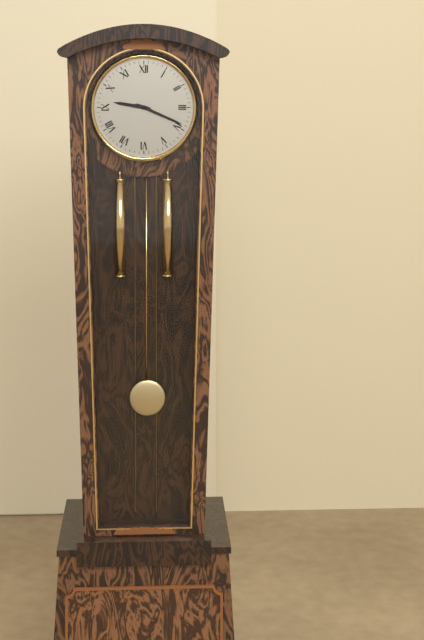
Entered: 9.19
